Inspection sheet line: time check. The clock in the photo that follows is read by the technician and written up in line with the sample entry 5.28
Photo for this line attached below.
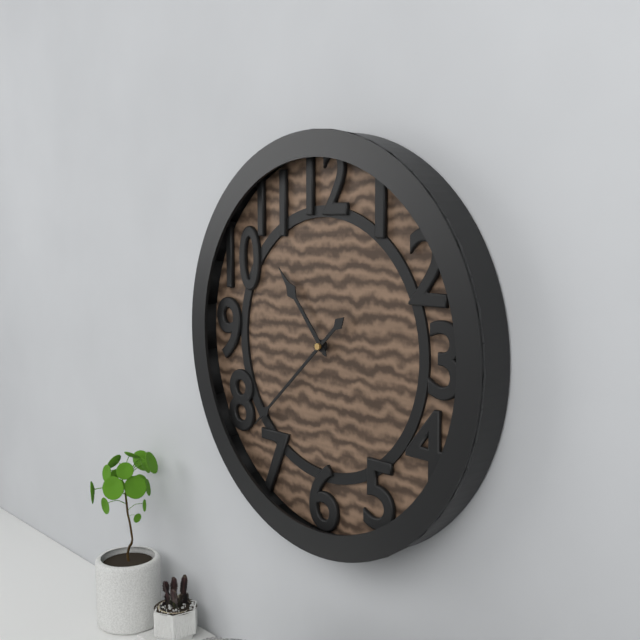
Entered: 10.38
